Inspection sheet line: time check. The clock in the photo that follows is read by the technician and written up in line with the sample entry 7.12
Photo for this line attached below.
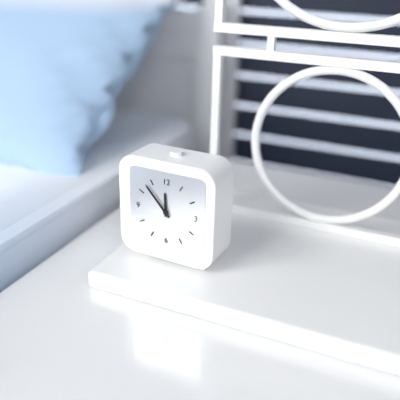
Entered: 11.53
